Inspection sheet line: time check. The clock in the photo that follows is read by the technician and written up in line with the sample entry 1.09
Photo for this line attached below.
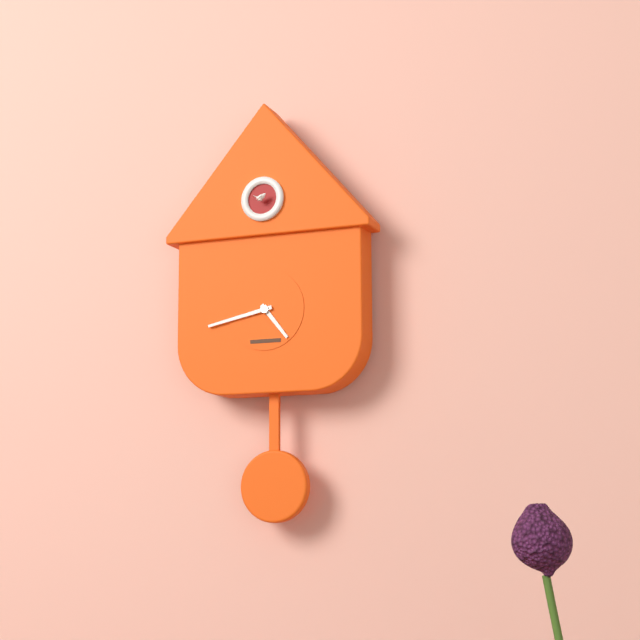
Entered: 4.43
